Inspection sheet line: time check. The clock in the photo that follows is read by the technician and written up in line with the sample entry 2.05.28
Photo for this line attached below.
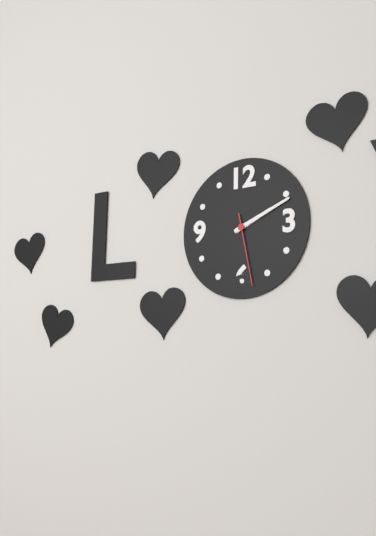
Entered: 2.11.28
